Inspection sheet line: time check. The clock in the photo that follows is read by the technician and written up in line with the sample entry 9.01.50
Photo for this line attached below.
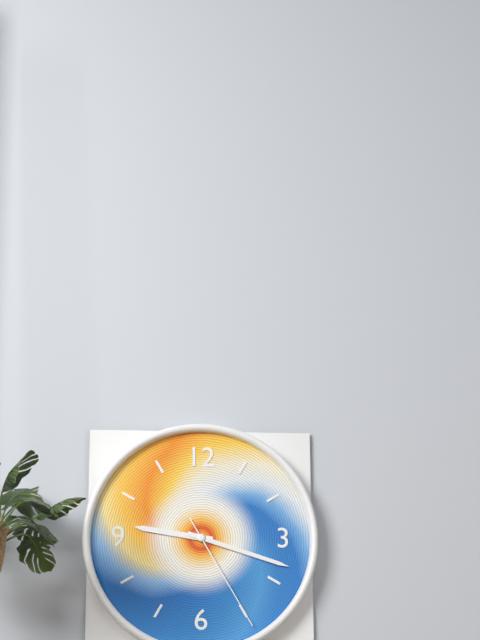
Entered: 9.18.25
